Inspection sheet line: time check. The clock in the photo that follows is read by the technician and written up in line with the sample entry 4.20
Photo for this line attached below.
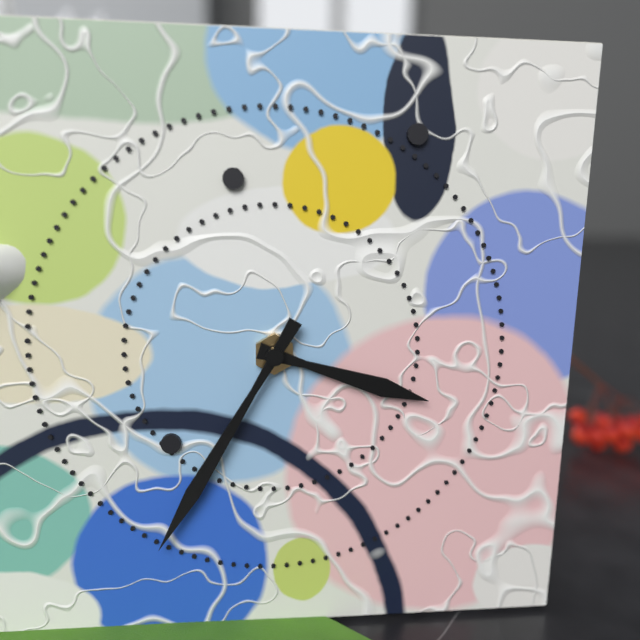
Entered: 3.35
